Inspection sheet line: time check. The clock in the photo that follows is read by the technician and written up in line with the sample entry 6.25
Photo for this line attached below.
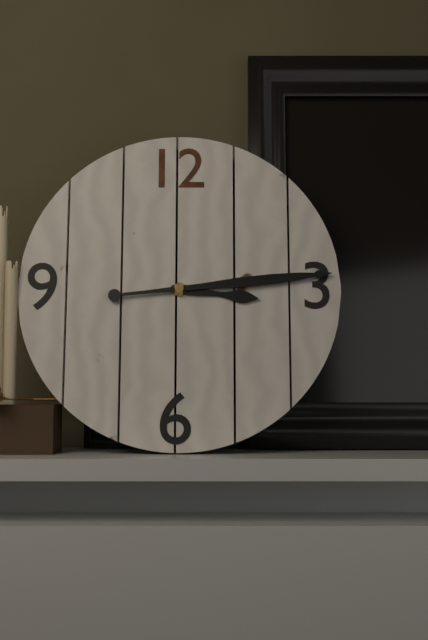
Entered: 3.14
